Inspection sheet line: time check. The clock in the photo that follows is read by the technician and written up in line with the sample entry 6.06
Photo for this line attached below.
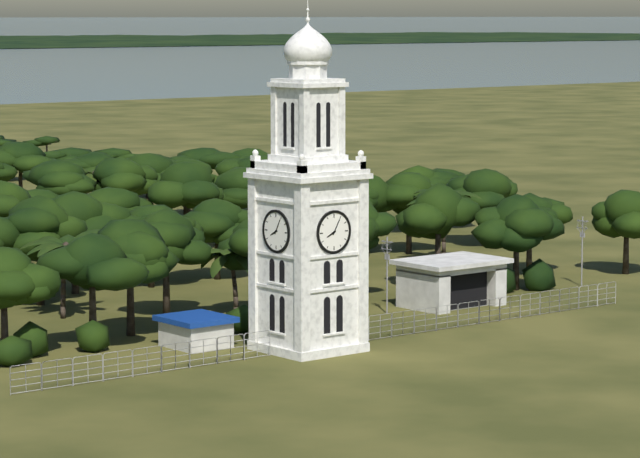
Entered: 8.05
